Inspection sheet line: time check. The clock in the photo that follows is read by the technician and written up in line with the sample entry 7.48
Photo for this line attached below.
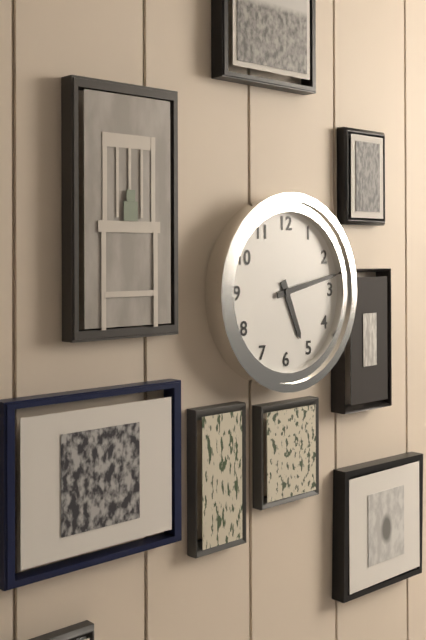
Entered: 5.13
